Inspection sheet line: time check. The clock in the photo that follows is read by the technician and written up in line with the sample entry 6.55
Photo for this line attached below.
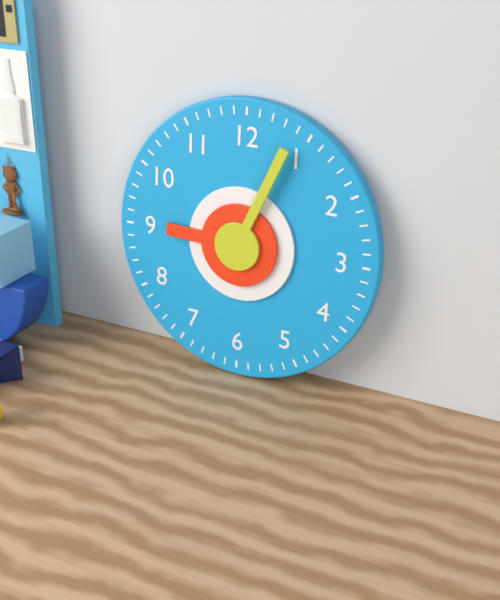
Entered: 9.04
